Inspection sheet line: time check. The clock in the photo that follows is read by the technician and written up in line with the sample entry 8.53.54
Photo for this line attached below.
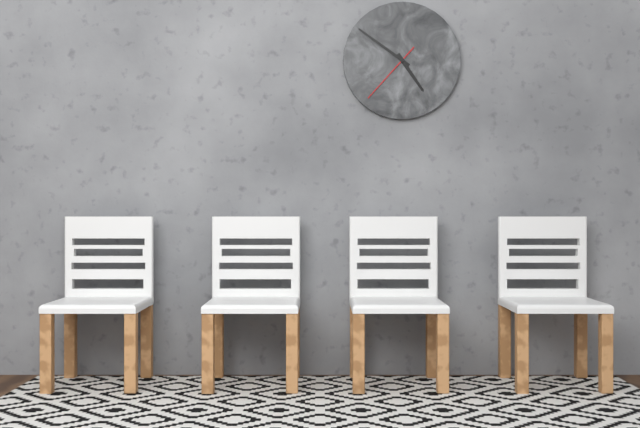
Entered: 4.51.37
